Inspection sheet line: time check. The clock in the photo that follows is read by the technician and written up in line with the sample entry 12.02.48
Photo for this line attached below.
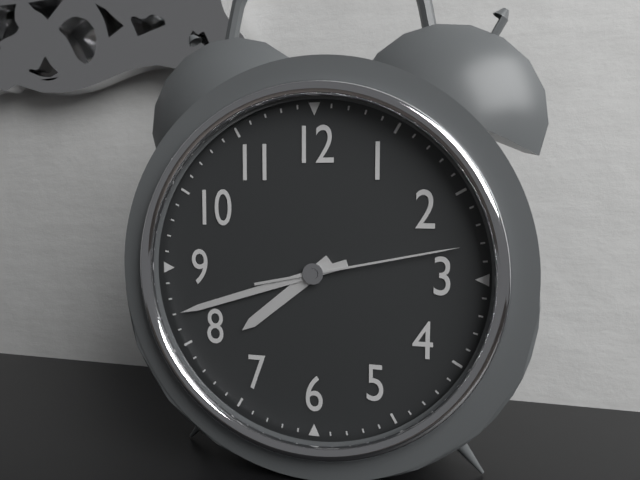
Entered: 7.42.13
